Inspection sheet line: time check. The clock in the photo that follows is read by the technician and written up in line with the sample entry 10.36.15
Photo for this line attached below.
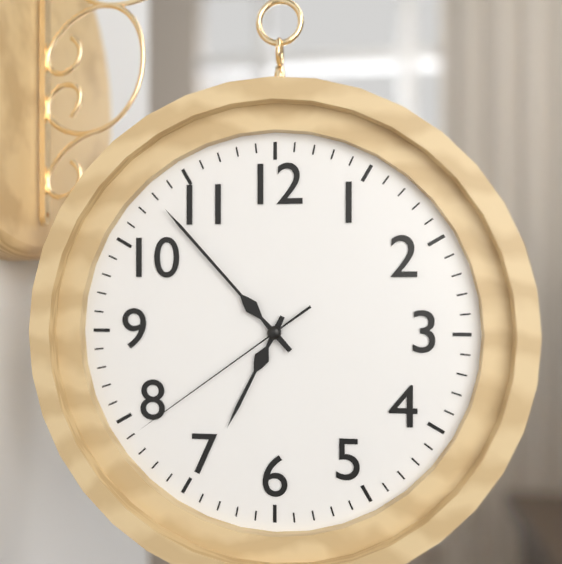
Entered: 6.53.39
